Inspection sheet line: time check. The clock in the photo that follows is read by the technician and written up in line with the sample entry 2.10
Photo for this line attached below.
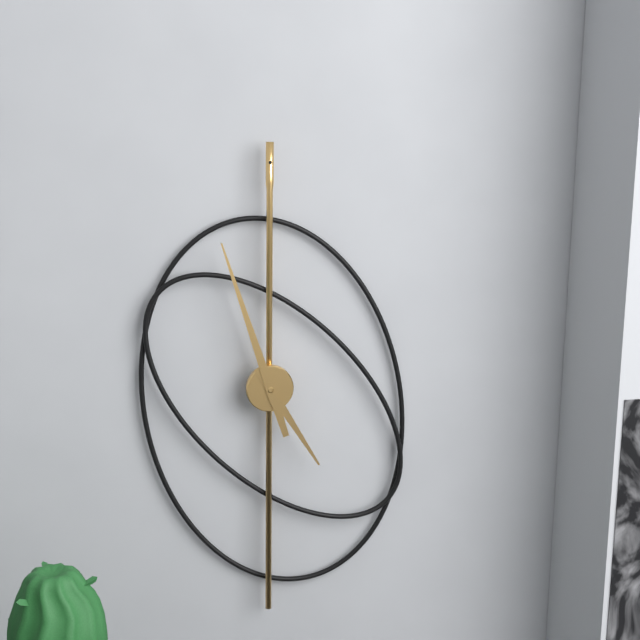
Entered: 4.57
